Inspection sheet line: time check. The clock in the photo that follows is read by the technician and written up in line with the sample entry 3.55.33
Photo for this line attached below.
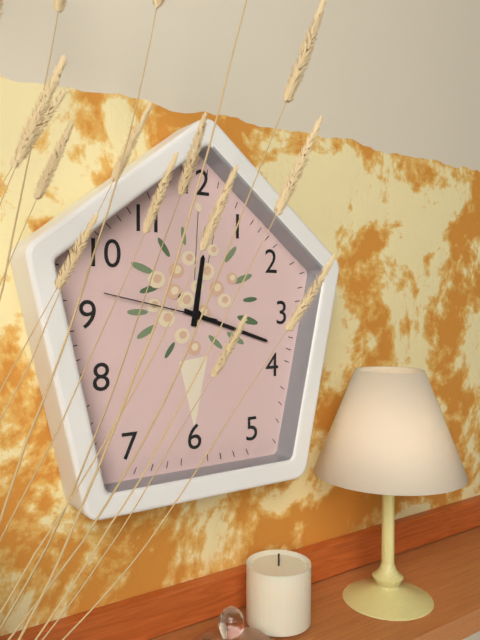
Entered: 12.18.47
